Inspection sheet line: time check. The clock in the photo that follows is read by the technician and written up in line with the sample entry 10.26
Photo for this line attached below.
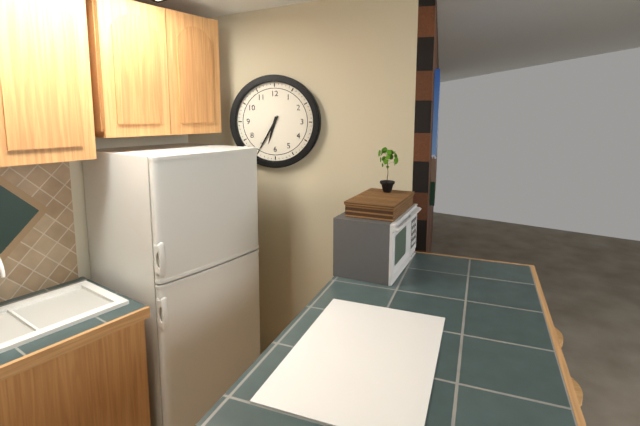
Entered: 6.35
